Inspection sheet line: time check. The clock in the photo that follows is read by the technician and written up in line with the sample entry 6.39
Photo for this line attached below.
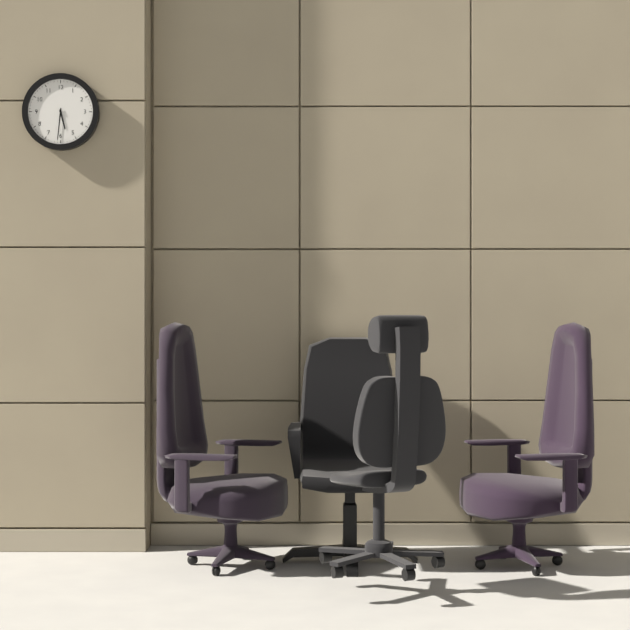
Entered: 5.31
